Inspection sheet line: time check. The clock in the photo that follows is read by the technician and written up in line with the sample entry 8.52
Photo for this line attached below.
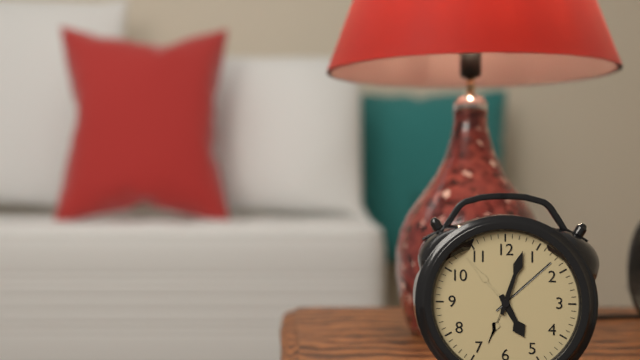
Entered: 5.03
